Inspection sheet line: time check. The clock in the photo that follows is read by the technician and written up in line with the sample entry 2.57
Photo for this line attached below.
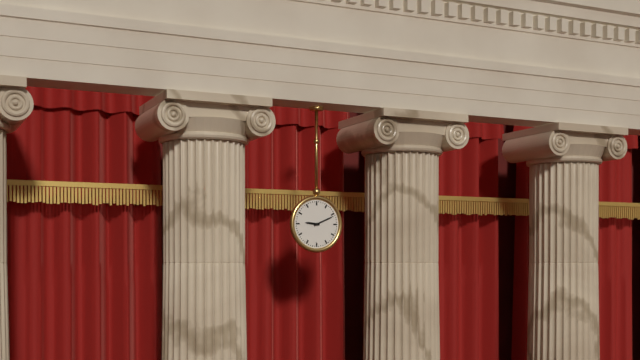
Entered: 9.11
